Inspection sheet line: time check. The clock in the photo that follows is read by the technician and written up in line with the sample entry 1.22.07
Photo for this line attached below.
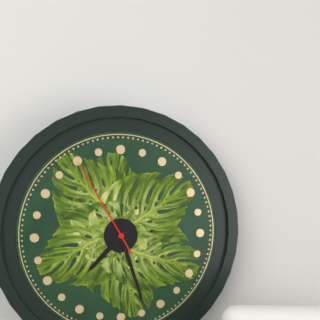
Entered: 7.27.55
